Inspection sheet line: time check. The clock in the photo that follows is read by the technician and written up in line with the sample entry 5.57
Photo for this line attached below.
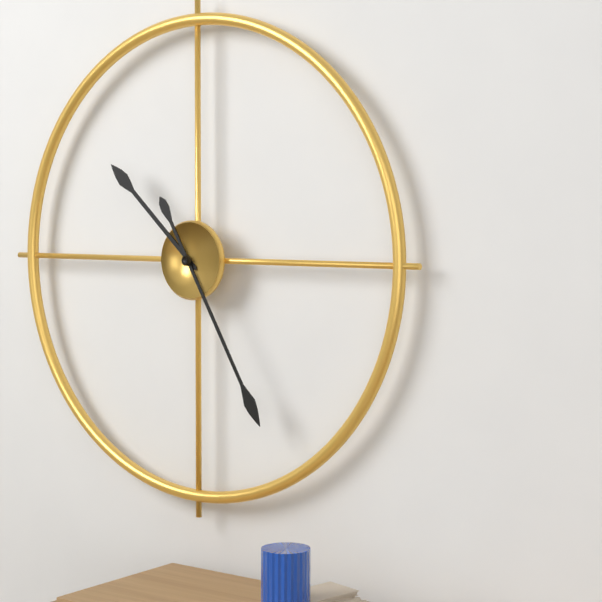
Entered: 10.25
